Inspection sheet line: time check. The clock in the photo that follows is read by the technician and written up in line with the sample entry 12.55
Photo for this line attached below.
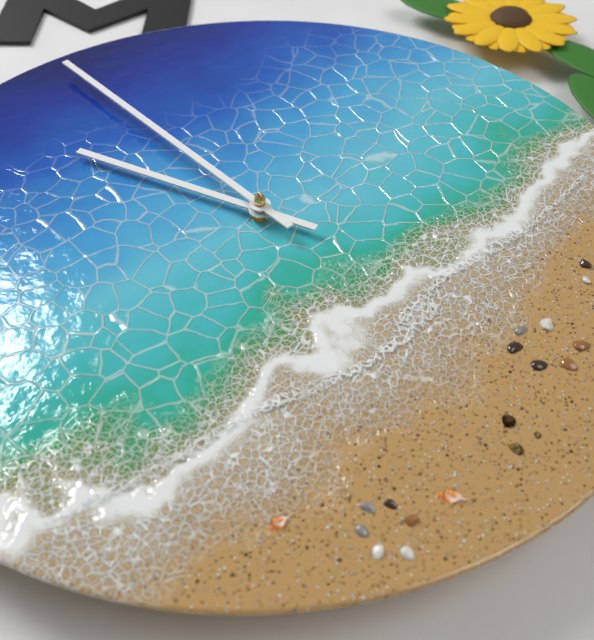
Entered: 9.53
